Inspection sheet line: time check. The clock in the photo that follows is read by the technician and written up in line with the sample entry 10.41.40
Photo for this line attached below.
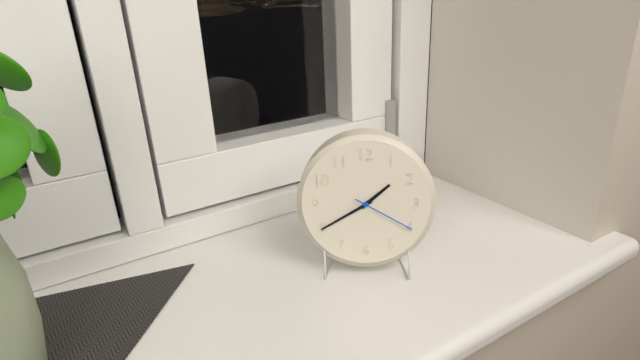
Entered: 1.40.20
